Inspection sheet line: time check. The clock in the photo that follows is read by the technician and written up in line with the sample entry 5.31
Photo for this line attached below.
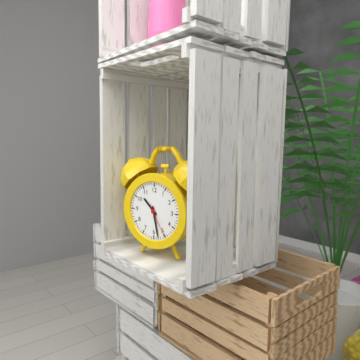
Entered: 10.28
